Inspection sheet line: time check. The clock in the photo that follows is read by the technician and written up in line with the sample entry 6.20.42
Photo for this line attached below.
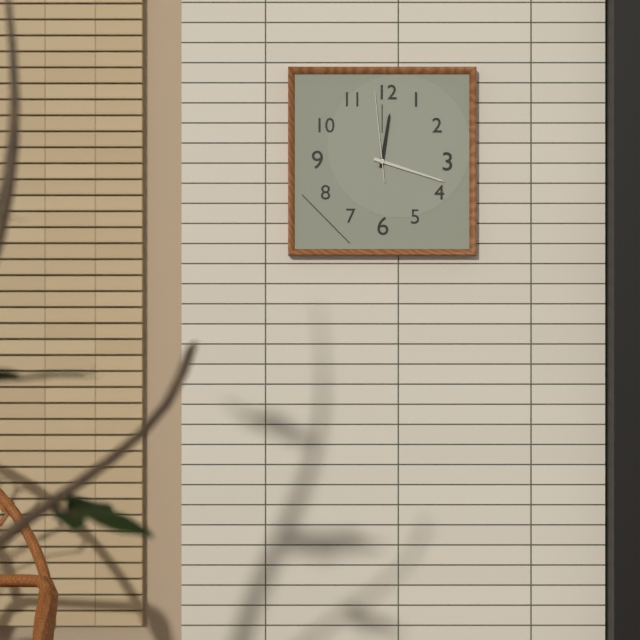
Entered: 12.18.59
